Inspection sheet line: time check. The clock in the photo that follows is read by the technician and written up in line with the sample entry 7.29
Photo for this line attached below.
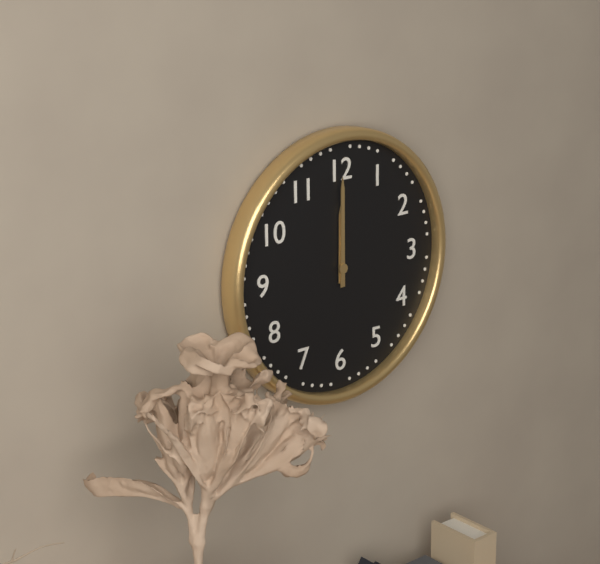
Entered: 12.00
